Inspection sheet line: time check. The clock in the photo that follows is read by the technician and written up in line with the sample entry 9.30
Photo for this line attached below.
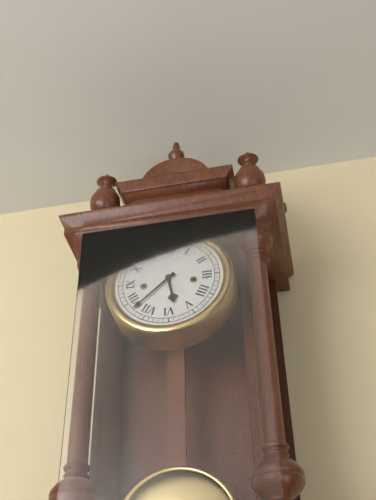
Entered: 5.38
